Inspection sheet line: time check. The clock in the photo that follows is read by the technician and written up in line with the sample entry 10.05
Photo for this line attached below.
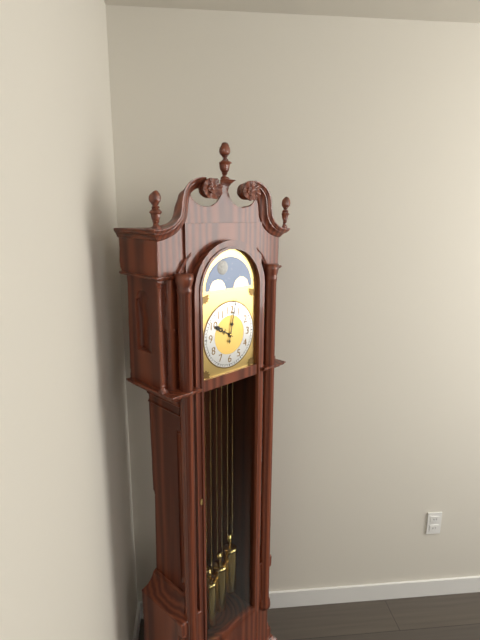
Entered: 10.02
